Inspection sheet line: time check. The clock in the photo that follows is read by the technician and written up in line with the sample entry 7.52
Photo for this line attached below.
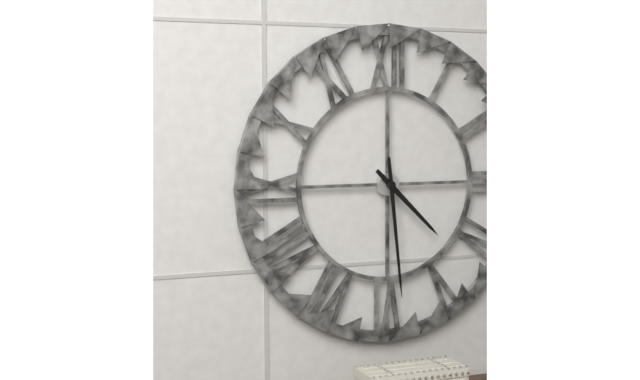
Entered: 4.29
